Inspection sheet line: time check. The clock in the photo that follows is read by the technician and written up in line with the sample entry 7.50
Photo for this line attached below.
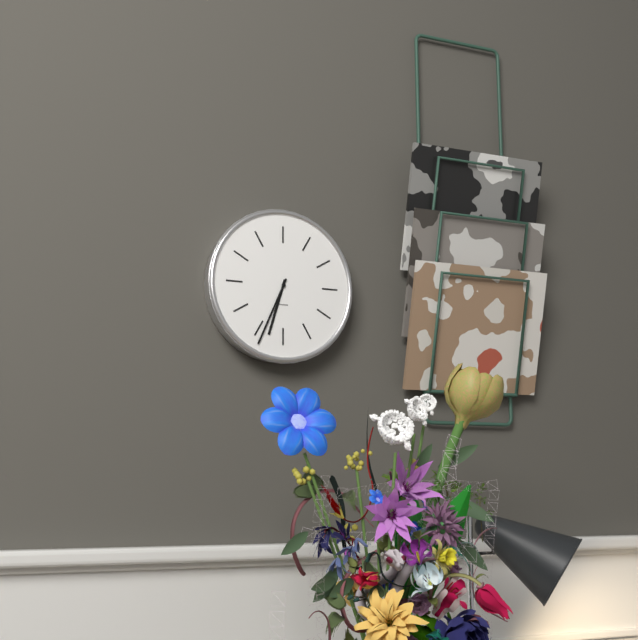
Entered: 6.34
